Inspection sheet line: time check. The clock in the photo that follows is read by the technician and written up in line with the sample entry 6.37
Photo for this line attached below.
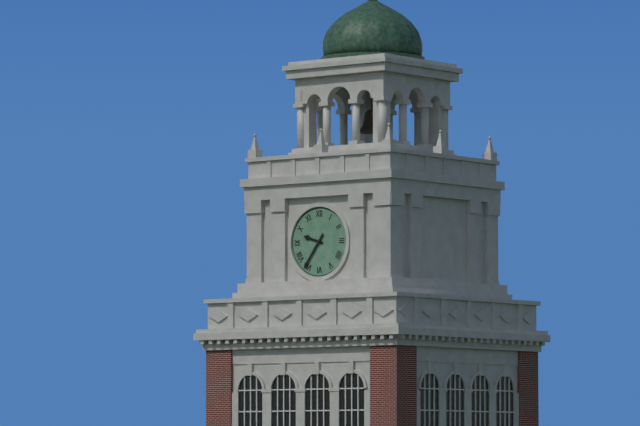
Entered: 9.36
